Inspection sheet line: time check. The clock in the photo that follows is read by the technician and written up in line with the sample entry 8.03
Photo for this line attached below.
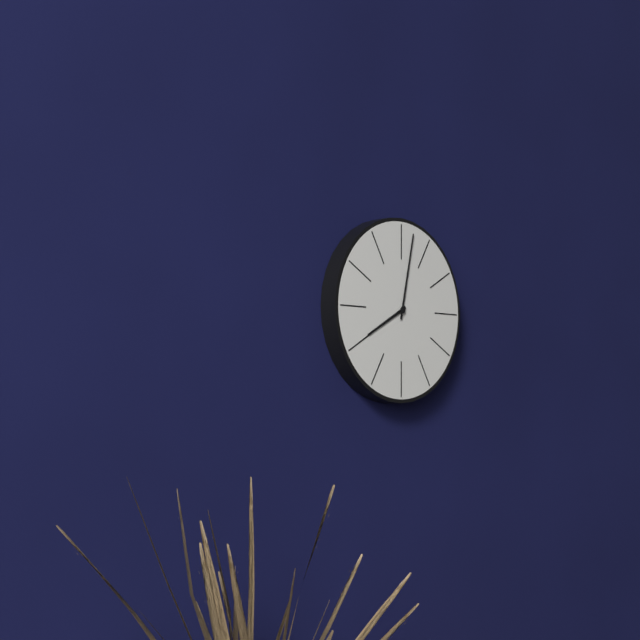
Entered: 8.02
